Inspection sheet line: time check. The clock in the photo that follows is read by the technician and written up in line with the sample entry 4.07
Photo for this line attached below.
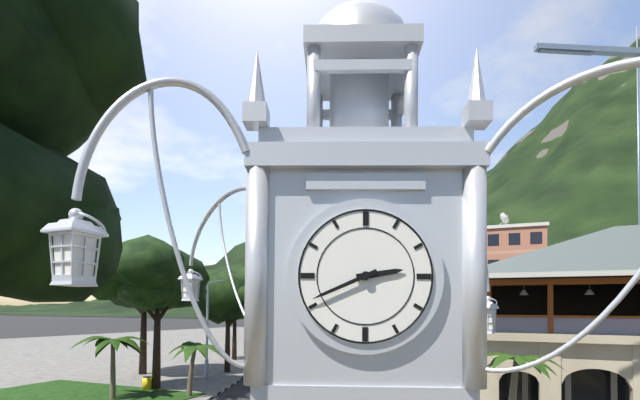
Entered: 2.41
